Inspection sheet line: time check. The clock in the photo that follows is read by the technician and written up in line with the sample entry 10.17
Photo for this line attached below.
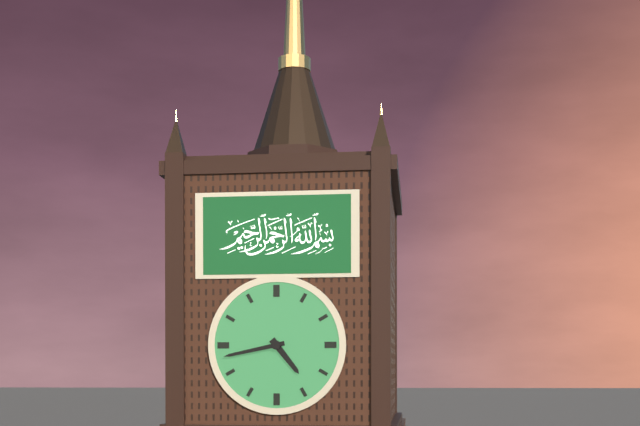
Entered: 4.43
